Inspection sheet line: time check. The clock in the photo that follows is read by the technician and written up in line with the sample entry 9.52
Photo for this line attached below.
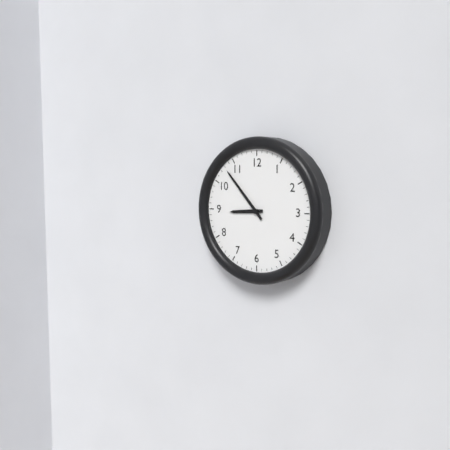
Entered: 8.53
